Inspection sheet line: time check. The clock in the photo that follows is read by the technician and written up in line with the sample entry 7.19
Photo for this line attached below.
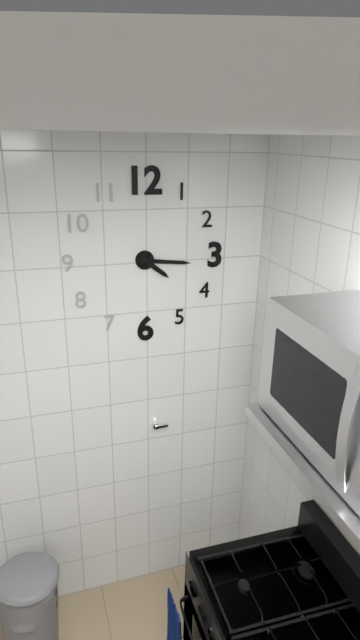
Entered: 4.16
